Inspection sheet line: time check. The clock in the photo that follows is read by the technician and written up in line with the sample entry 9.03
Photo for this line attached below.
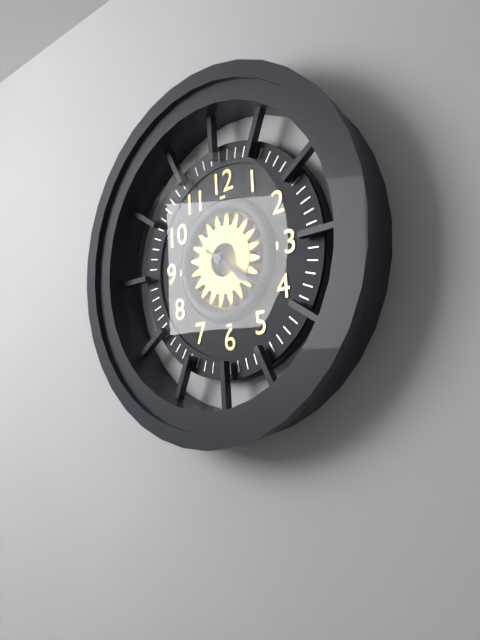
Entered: 4.21
